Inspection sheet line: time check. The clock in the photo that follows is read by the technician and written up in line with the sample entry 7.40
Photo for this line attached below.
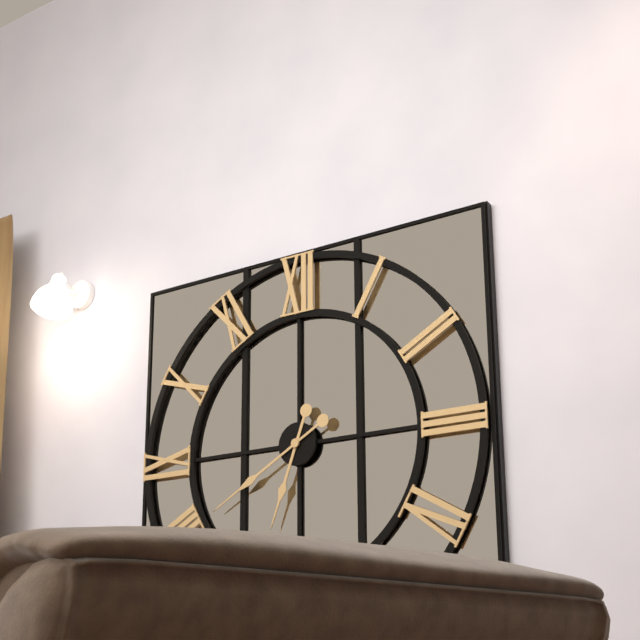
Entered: 6.40
